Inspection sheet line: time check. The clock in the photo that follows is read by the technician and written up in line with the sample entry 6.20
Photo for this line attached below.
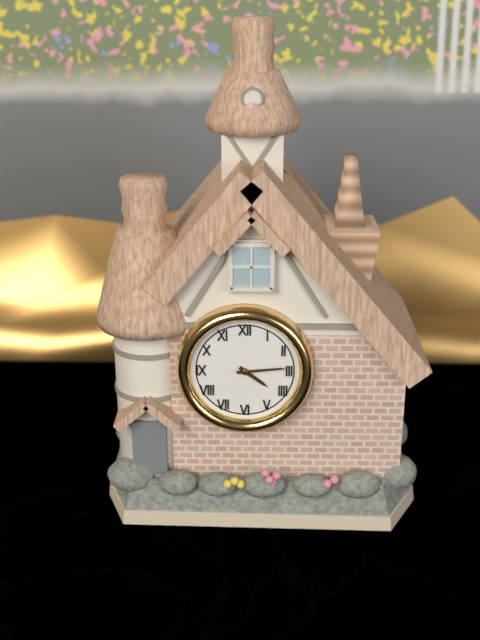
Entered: 4.14
